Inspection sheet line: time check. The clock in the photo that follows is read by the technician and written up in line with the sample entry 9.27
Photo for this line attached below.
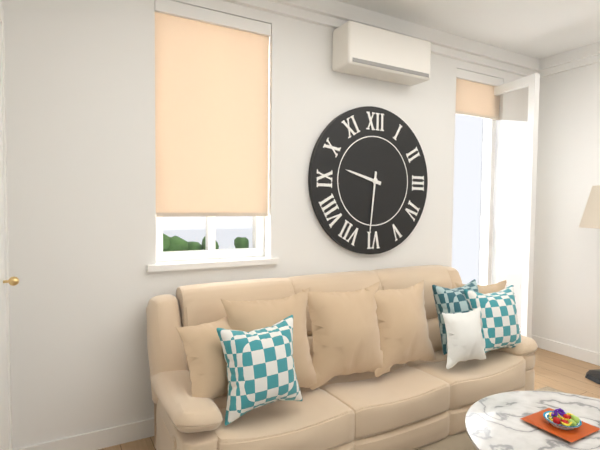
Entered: 9.31
